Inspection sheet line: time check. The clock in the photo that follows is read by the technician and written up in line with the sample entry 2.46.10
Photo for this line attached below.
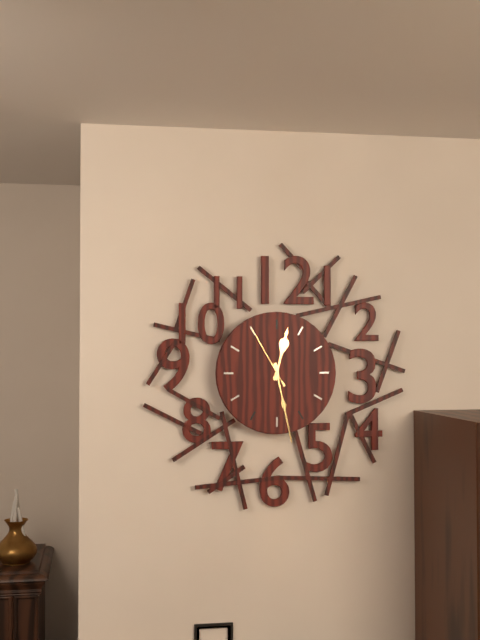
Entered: 12.28.55
